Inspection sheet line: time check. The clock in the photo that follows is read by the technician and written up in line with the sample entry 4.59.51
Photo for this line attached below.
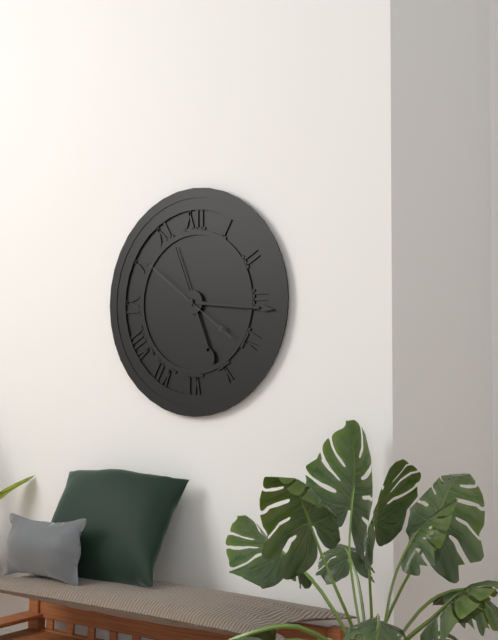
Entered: 5.16.51
